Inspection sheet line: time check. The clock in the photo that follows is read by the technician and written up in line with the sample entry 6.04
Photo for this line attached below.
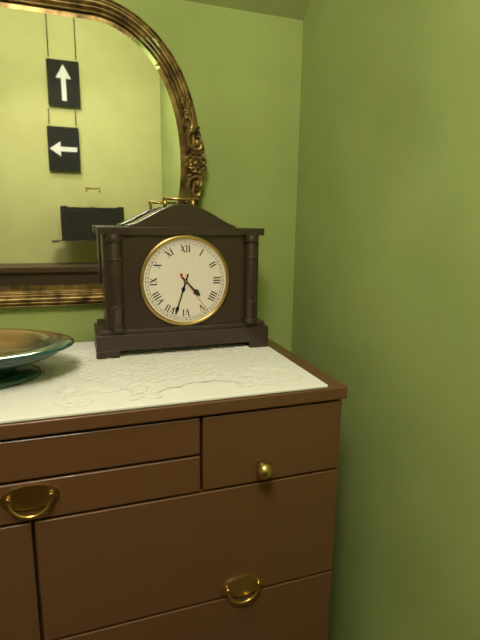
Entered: 4.33
